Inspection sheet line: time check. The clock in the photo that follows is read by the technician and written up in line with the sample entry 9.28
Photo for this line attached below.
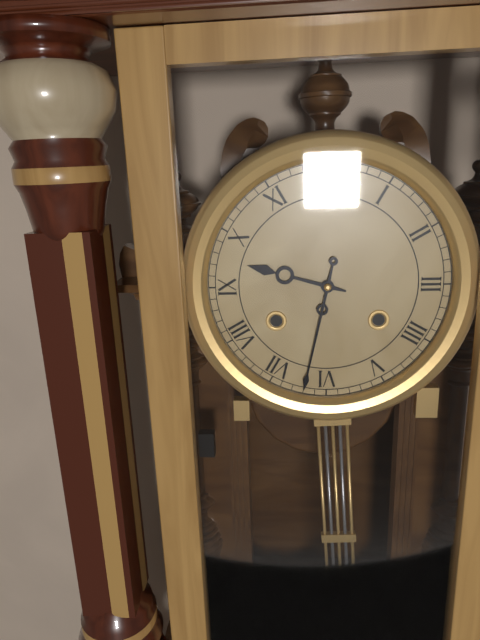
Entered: 9.32
